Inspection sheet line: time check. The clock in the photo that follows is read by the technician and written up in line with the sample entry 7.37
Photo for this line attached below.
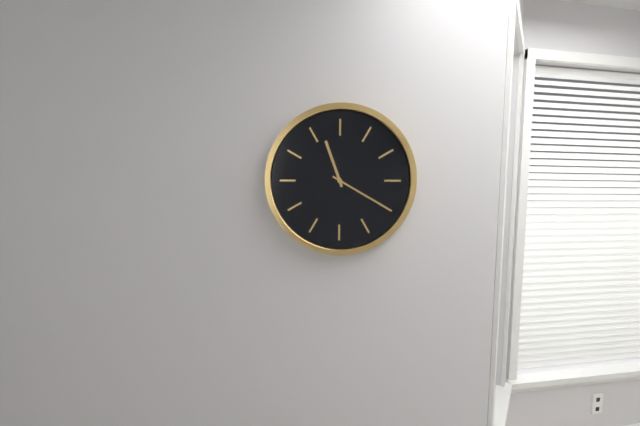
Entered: 11.20
